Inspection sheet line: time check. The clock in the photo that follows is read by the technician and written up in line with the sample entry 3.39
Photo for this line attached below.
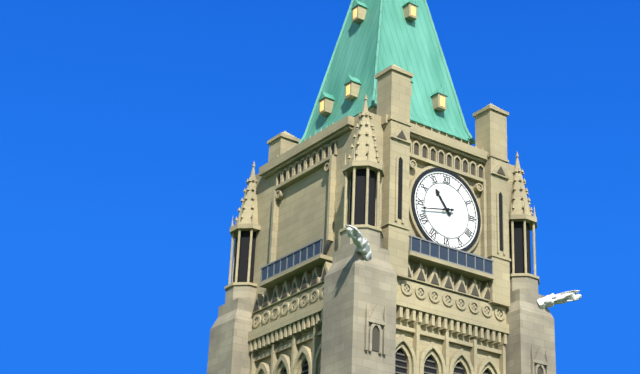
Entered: 10.43
